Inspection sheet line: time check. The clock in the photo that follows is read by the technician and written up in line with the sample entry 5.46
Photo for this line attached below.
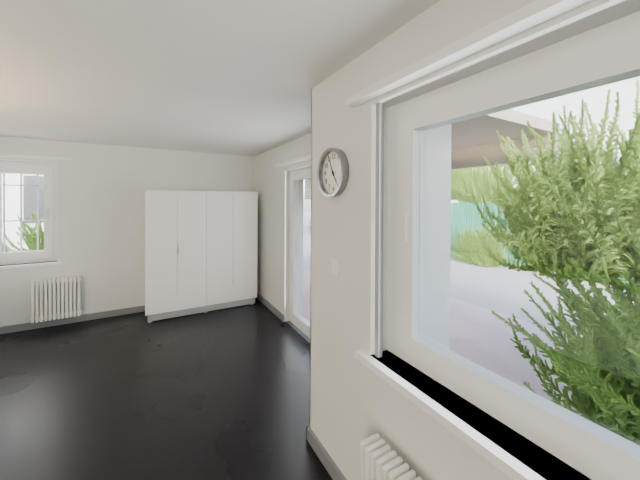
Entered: 4.56
